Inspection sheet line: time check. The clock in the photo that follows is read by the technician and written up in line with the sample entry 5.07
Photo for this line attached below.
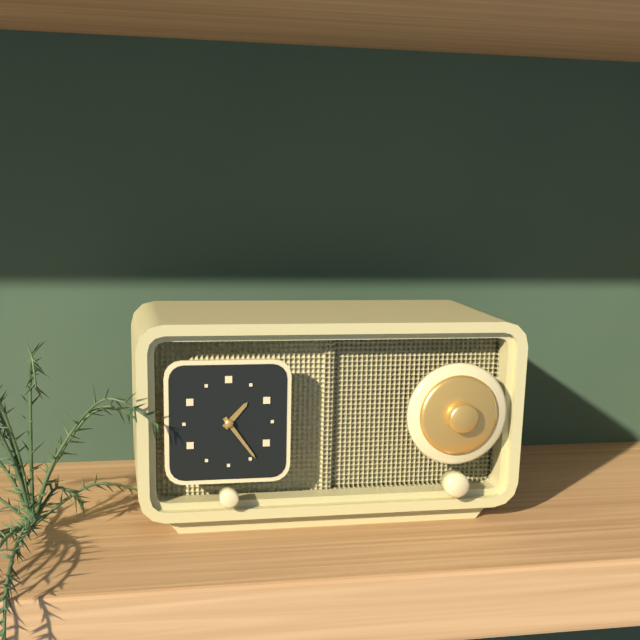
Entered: 1.24
